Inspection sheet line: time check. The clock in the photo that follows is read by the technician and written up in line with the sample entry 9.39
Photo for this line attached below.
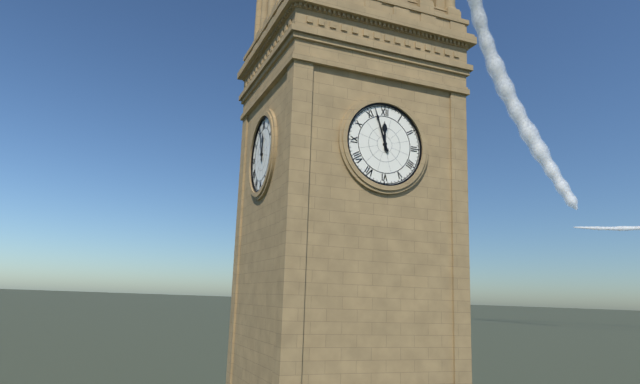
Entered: 11.57
